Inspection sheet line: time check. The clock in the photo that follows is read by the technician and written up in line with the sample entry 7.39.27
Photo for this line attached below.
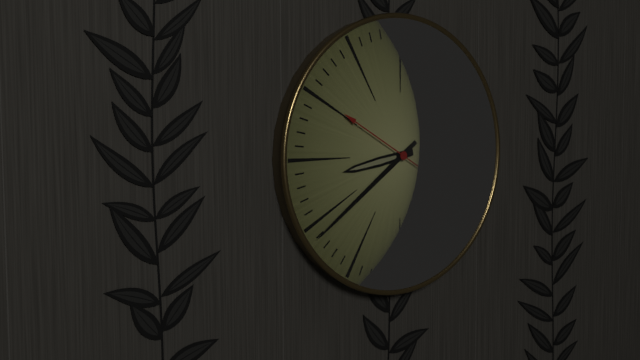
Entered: 8.39.50
